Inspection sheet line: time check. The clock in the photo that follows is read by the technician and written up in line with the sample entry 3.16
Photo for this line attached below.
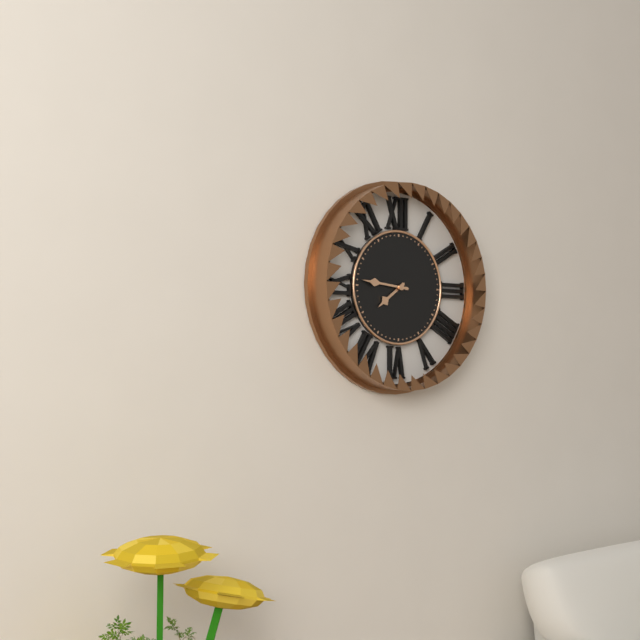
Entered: 7.46
